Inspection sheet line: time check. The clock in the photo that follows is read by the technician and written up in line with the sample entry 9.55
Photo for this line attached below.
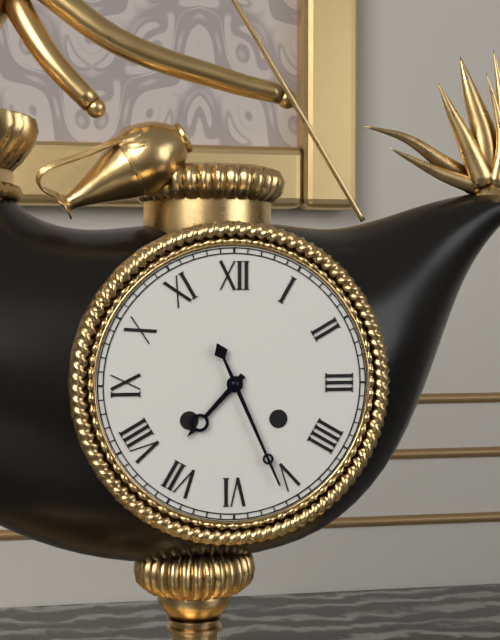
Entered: 7.26
